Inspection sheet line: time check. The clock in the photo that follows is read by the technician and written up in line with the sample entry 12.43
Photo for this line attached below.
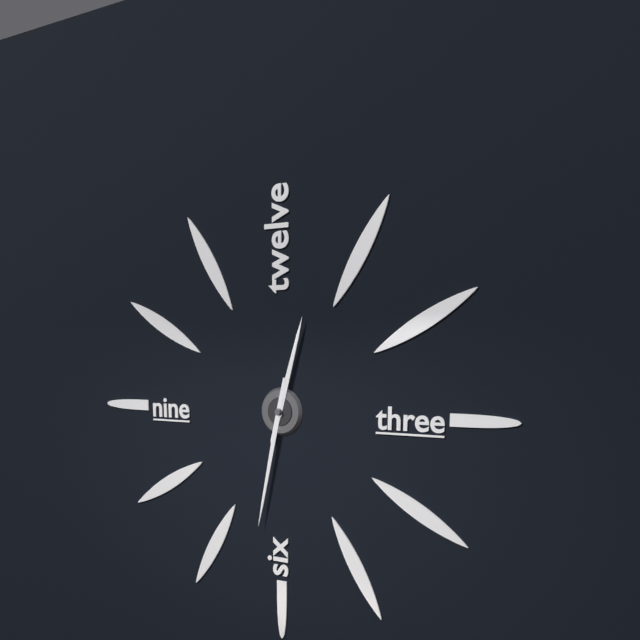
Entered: 12.32
